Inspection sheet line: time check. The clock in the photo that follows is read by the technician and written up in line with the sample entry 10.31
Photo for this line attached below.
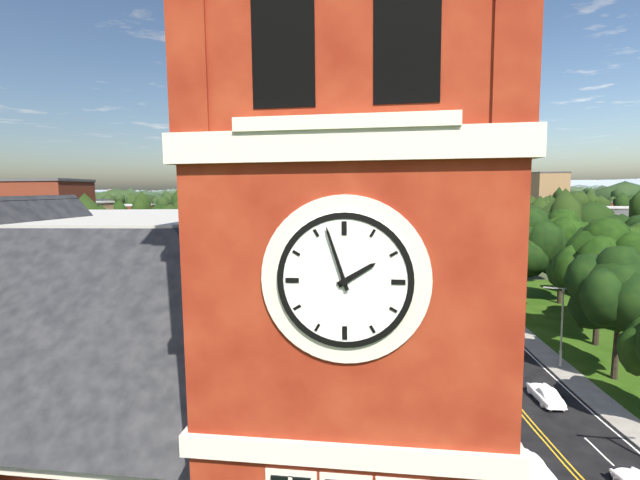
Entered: 1.57
